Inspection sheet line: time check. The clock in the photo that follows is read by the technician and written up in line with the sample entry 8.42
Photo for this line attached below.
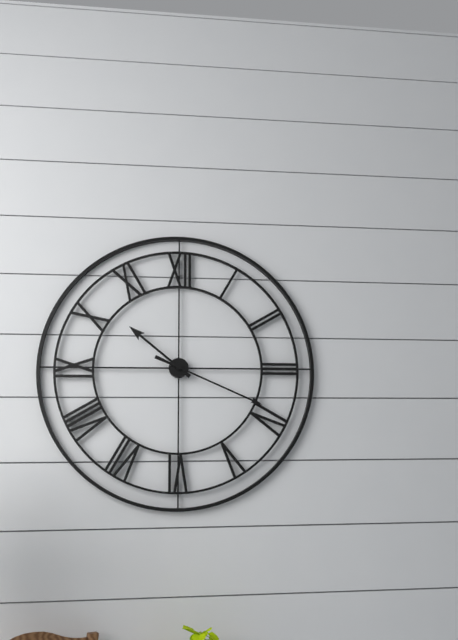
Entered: 10.19
